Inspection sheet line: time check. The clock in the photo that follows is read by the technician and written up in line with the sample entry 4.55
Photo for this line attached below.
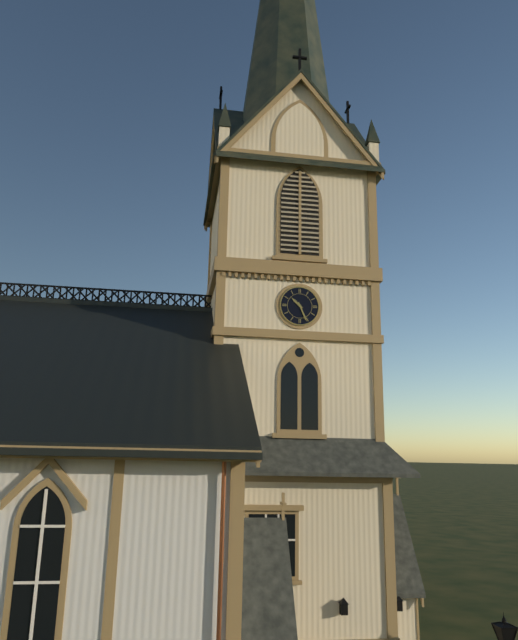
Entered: 10.26
